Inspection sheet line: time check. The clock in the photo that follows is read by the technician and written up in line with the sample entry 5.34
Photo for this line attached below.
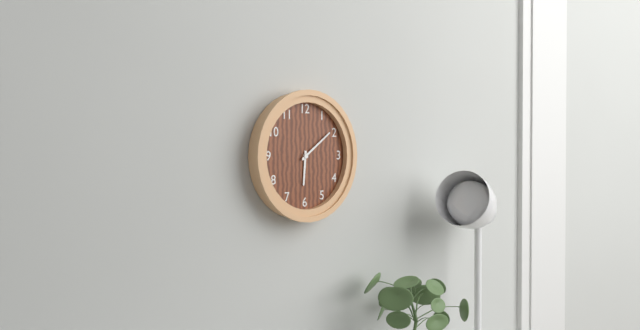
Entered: 6.09
